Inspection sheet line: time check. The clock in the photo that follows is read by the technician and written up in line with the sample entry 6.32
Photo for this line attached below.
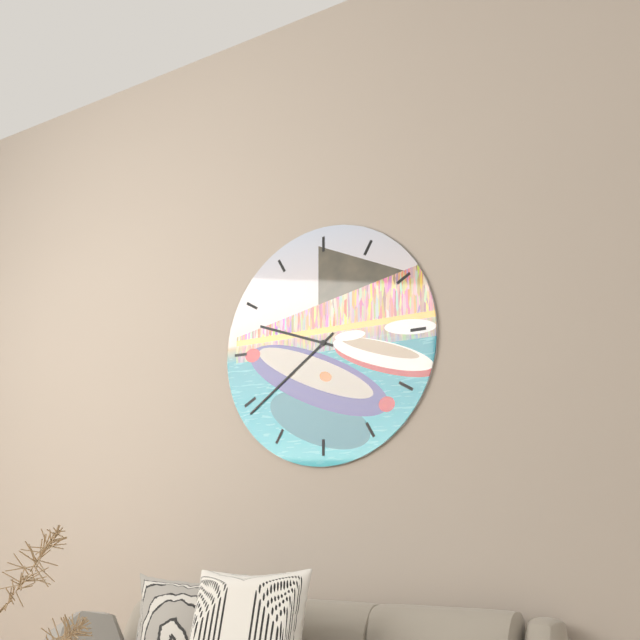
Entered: 9.39
